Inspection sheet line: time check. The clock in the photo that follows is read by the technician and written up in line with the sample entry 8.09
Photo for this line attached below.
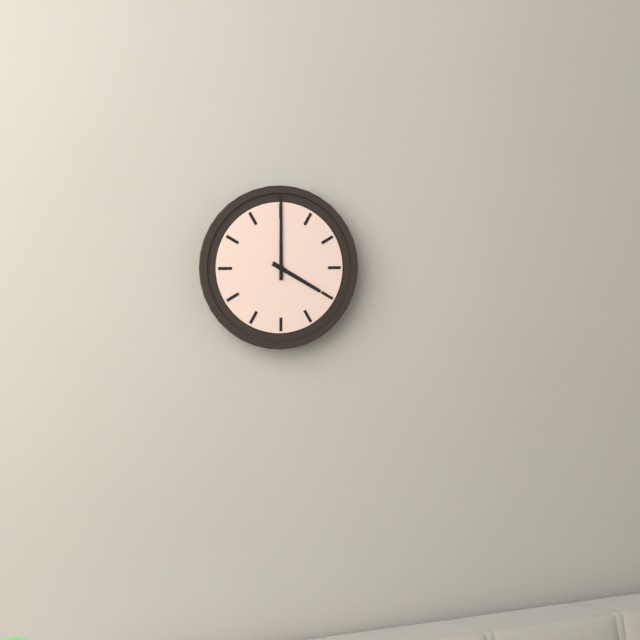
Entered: 4.00
